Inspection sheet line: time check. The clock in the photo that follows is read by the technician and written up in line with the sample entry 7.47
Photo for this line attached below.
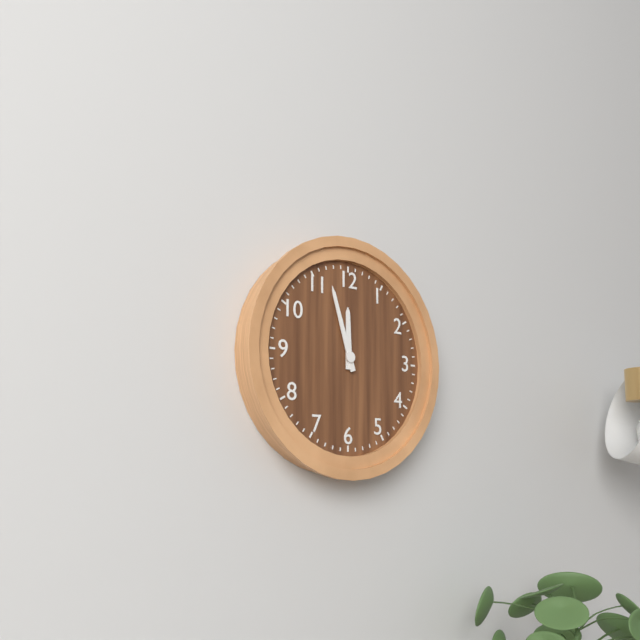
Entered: 11.57
